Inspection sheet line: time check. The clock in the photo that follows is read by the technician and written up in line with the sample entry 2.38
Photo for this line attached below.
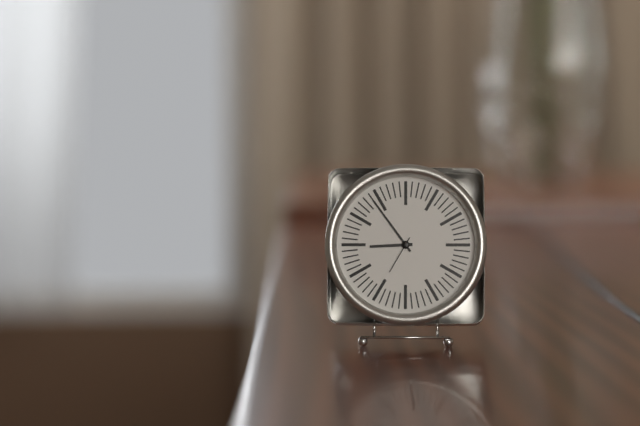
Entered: 8.54
